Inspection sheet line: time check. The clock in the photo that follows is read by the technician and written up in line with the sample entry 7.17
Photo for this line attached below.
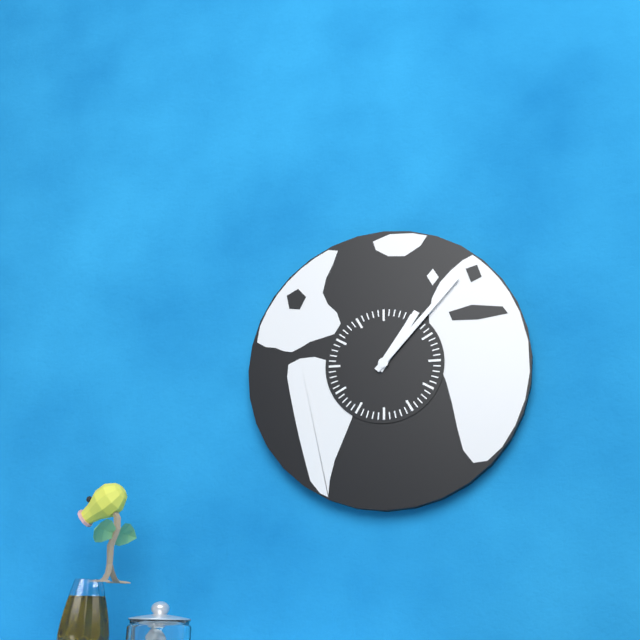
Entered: 1.07
